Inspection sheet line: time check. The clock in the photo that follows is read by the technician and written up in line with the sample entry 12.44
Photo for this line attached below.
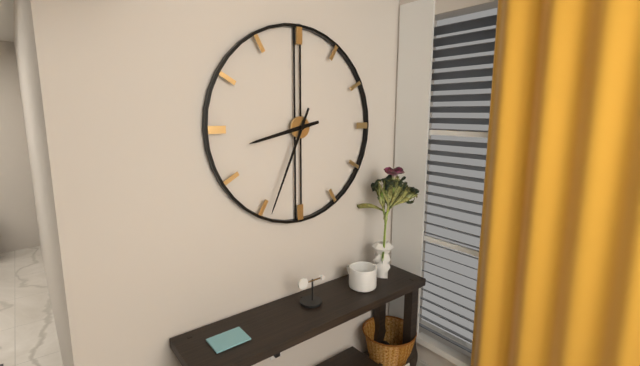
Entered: 8.34
